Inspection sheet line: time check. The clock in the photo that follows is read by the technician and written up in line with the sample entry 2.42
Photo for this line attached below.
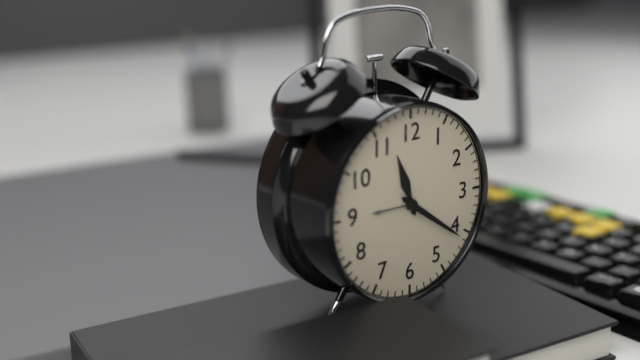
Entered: 11.21
